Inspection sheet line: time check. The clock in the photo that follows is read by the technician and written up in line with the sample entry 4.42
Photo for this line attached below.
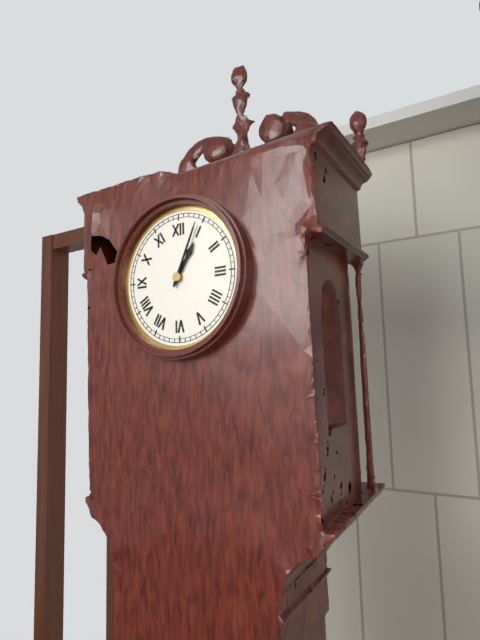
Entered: 1.04
